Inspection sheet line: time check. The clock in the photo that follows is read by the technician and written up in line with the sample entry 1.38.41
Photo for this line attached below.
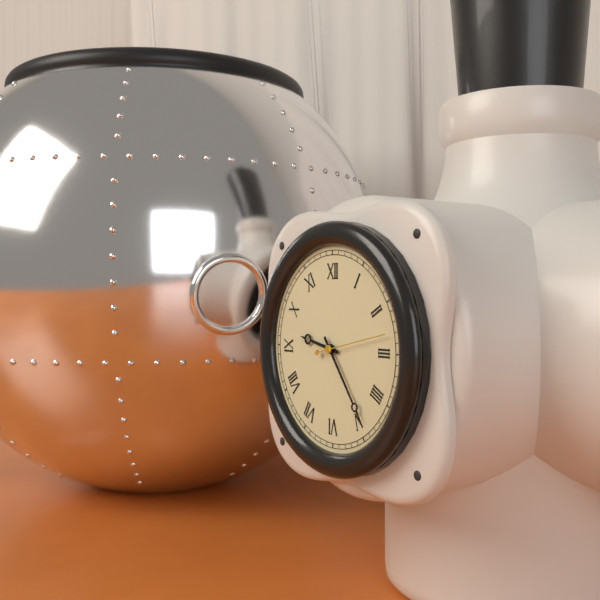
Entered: 9.24.13
